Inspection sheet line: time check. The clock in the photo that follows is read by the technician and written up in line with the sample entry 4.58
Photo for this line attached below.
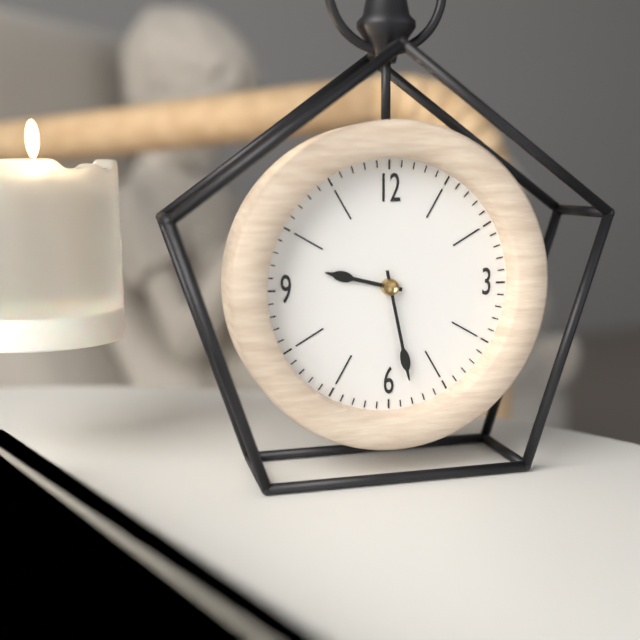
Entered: 9.28
